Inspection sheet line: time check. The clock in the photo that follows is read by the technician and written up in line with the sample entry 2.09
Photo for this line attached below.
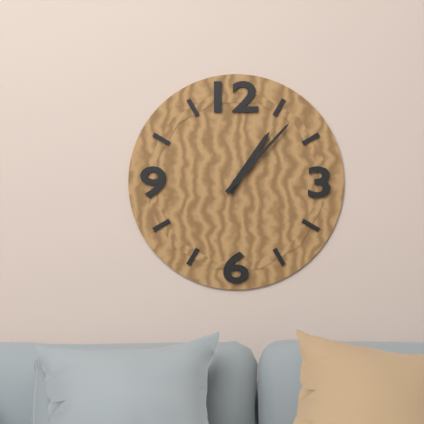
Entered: 1.07
